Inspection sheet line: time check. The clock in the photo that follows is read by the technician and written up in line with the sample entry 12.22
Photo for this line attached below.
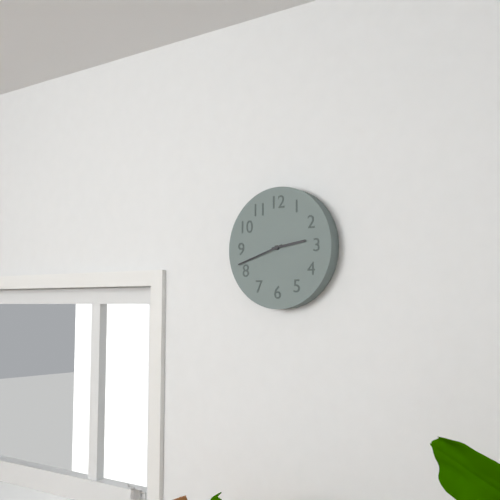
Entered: 2.42
